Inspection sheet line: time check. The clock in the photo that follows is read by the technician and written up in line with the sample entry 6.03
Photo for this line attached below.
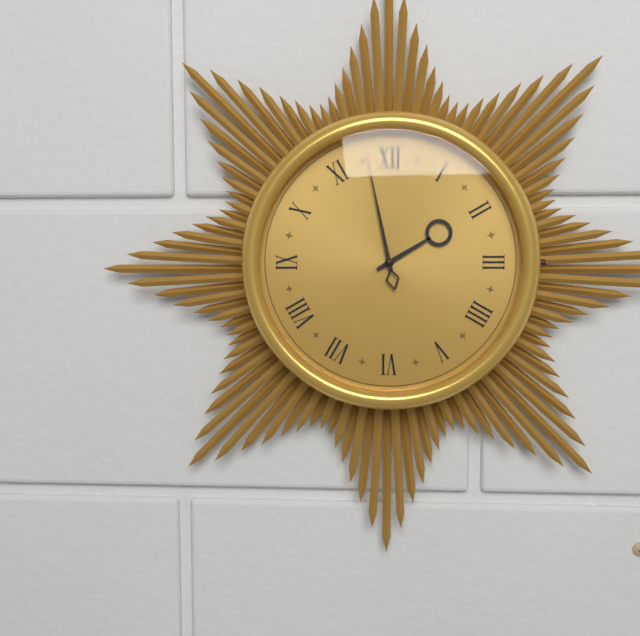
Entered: 1.58
